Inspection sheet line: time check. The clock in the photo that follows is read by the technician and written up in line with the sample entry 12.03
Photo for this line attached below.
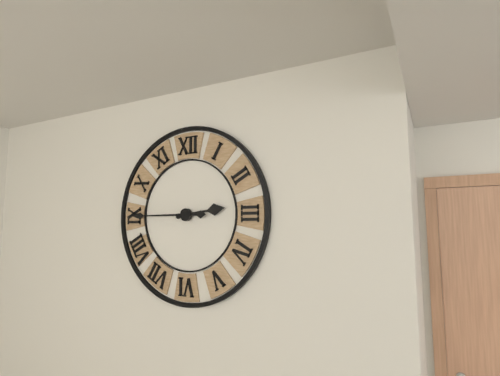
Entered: 2.45
